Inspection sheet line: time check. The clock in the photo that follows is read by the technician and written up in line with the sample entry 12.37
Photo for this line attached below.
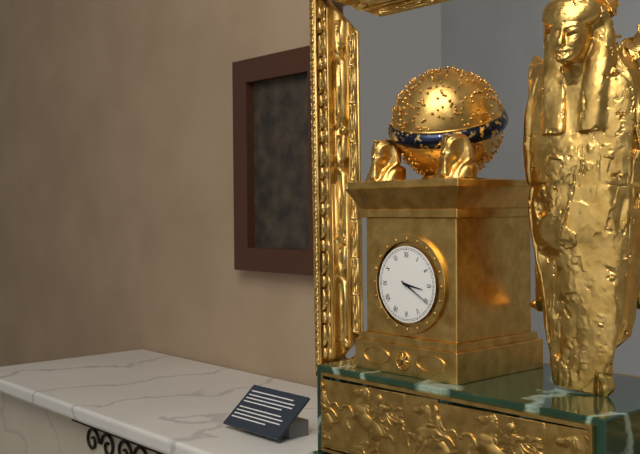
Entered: 3.20
